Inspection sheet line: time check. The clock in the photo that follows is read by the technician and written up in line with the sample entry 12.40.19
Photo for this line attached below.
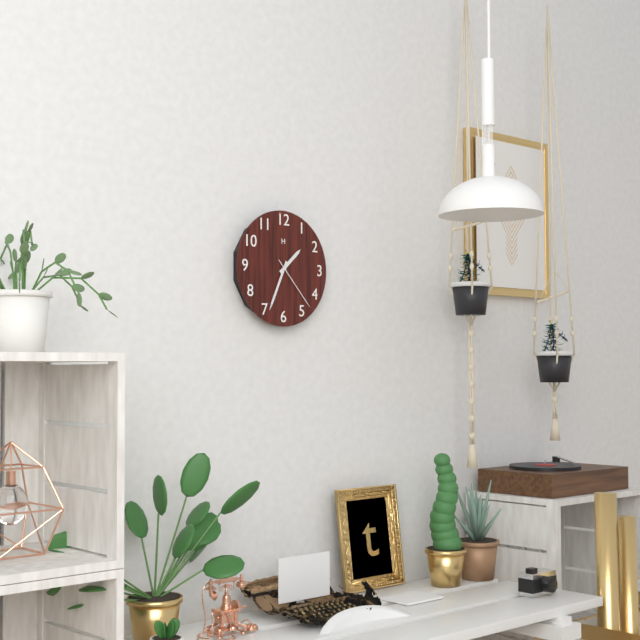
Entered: 1.34.23
